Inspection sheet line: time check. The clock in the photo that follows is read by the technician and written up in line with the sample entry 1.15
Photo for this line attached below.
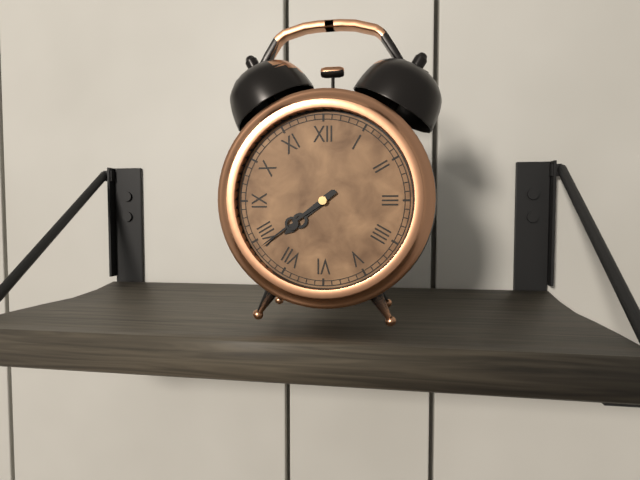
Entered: 7.39
